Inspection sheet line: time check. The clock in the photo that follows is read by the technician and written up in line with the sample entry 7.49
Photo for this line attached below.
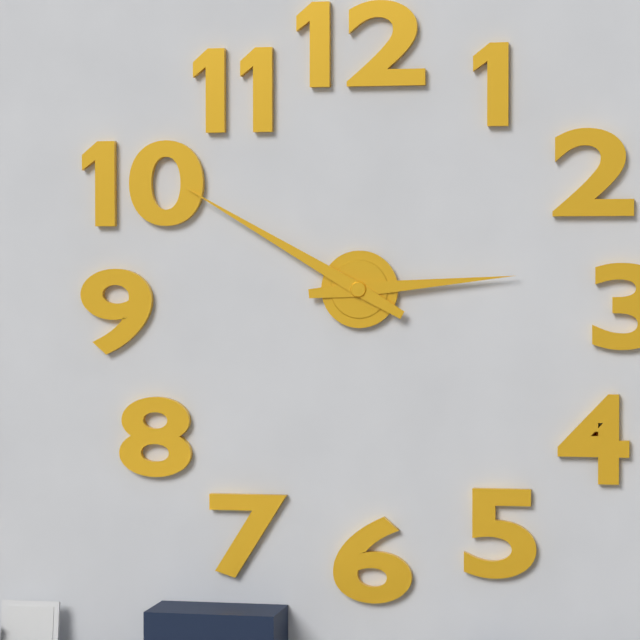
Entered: 2.50
